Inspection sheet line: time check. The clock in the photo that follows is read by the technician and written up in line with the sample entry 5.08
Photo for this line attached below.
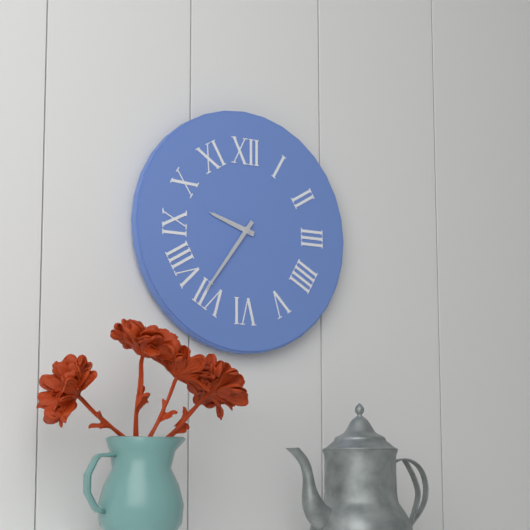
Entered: 9.36
